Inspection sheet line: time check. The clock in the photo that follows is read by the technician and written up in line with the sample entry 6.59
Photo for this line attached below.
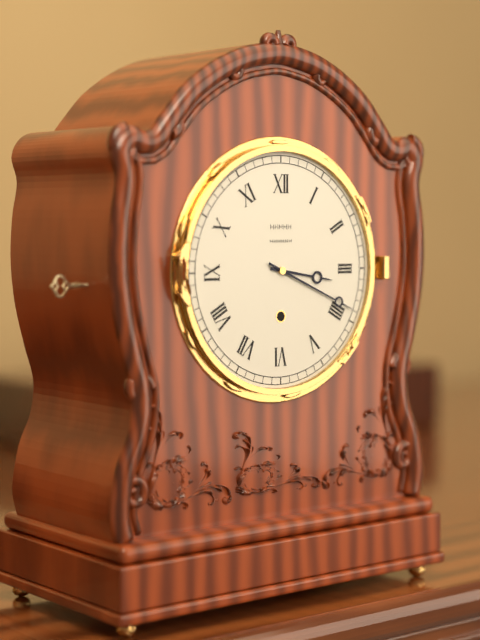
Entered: 3.19
